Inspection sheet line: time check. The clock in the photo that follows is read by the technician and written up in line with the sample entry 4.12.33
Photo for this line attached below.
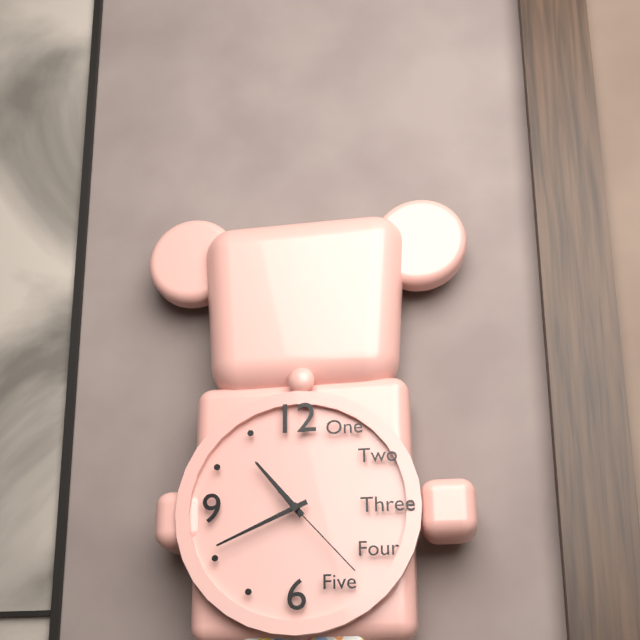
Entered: 10.41.23
